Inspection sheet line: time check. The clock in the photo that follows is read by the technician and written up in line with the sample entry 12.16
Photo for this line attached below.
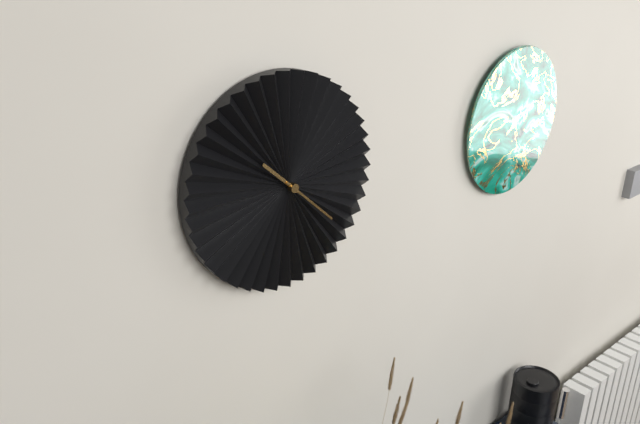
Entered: 10.22
